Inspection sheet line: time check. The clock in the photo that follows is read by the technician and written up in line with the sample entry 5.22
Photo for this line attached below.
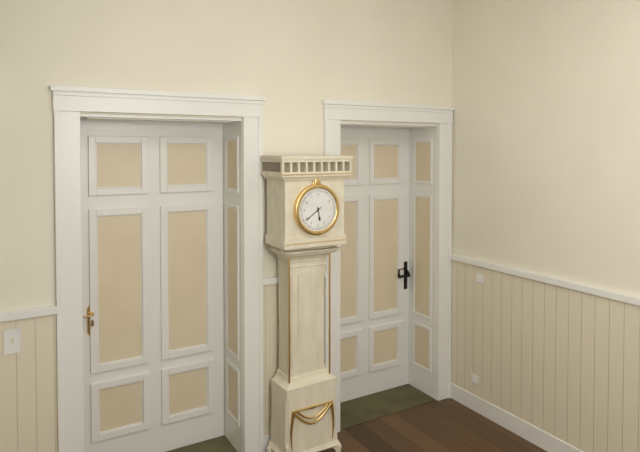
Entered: 5.39
